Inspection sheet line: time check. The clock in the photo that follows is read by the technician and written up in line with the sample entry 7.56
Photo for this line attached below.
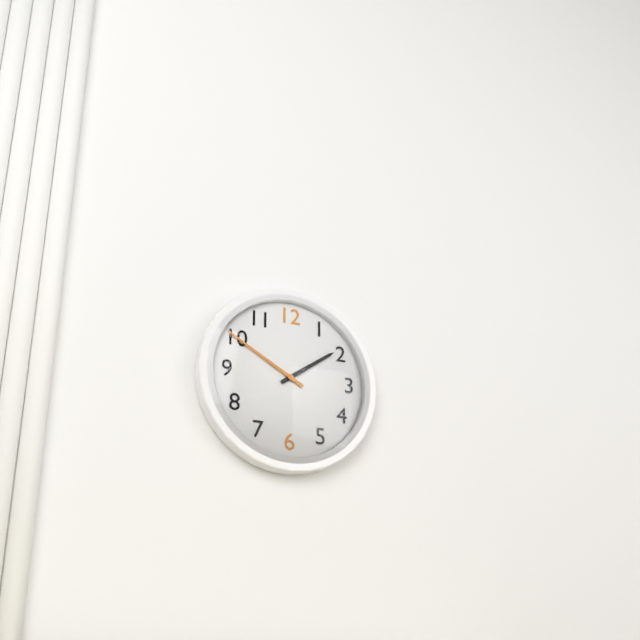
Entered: 1.50
